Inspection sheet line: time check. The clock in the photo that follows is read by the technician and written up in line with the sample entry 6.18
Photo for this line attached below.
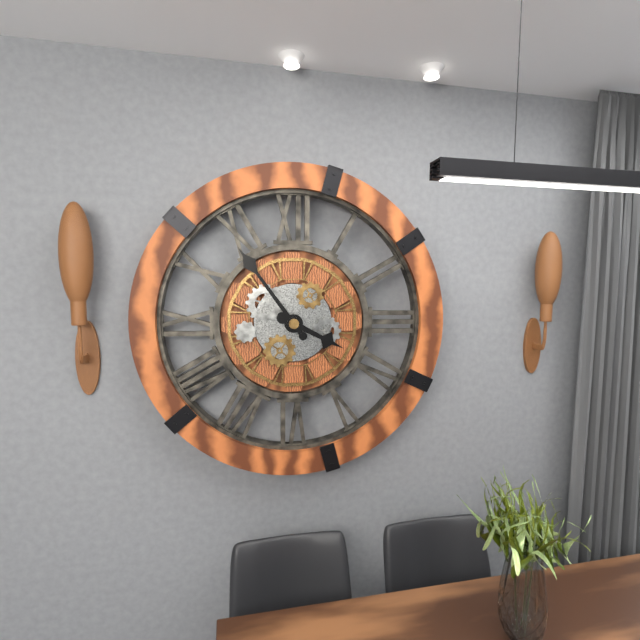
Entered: 3.54
